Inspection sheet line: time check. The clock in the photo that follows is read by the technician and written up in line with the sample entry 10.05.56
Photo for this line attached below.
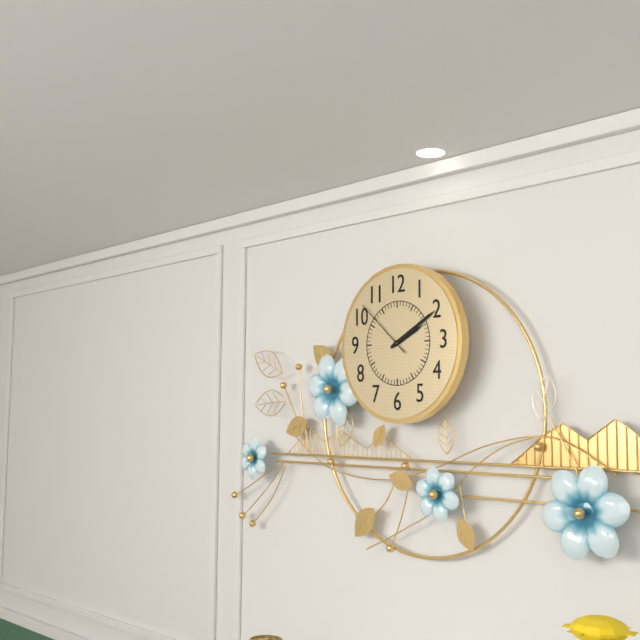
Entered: 2.10.52
